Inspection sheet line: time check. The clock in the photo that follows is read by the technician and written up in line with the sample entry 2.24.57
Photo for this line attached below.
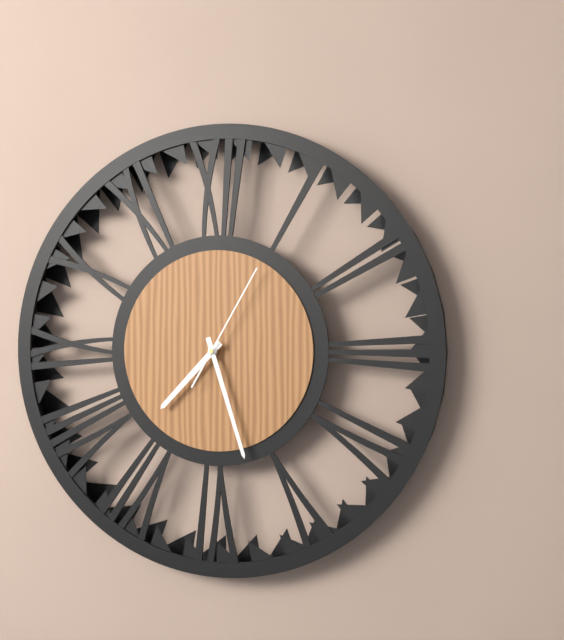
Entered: 7.27.05
